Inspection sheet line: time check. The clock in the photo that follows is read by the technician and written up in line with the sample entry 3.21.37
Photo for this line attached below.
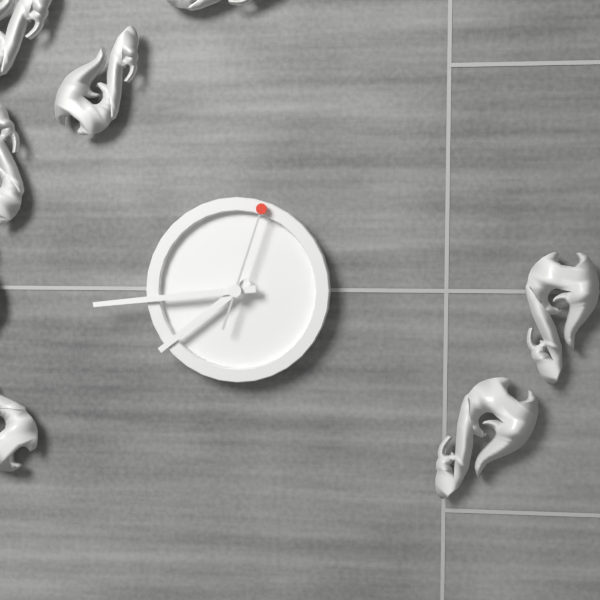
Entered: 7.44.03
